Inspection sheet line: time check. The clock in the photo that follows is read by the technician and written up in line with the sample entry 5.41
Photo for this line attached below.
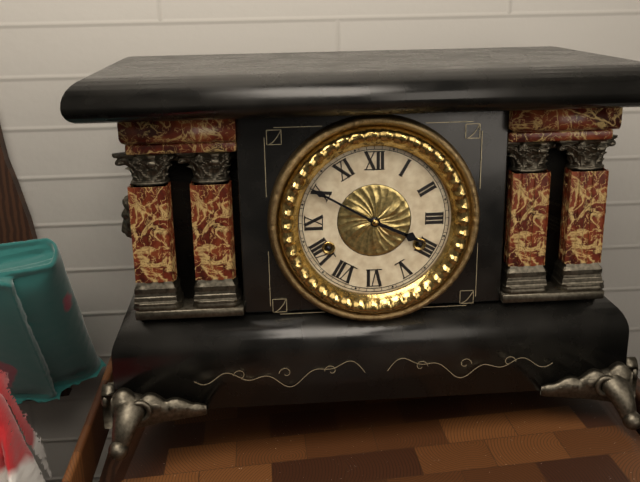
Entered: 3.50
